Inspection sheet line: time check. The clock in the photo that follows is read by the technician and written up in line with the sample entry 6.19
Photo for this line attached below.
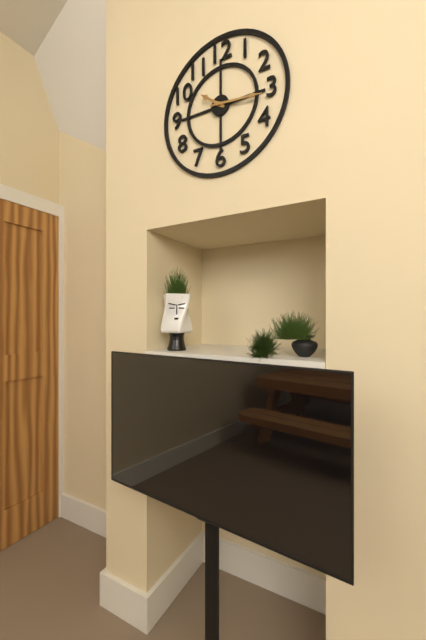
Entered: 10.16
